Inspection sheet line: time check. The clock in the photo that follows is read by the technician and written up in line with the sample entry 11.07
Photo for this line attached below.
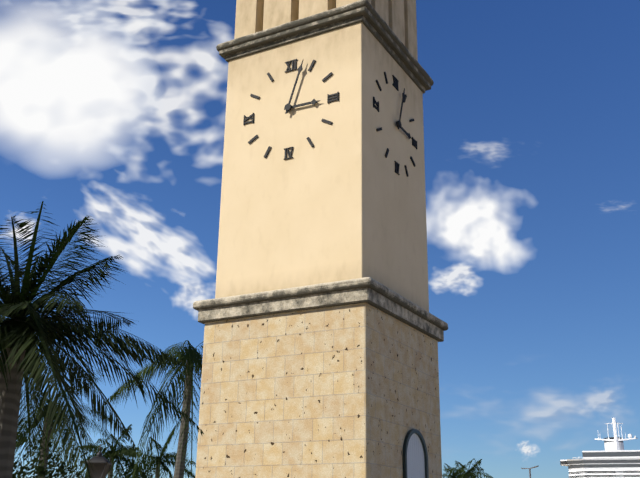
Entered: 3.03
